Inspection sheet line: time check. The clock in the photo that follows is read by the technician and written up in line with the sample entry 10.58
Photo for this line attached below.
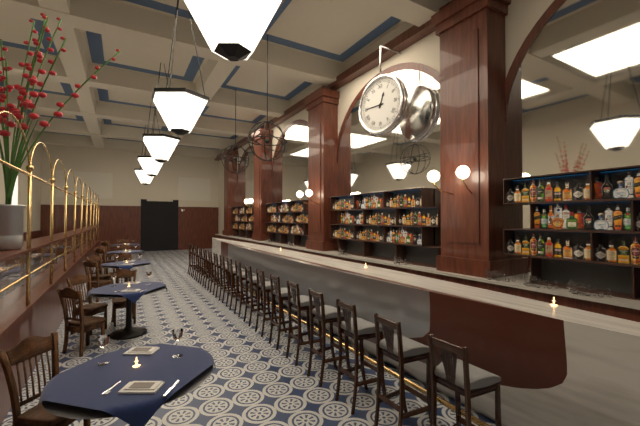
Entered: 12.45
